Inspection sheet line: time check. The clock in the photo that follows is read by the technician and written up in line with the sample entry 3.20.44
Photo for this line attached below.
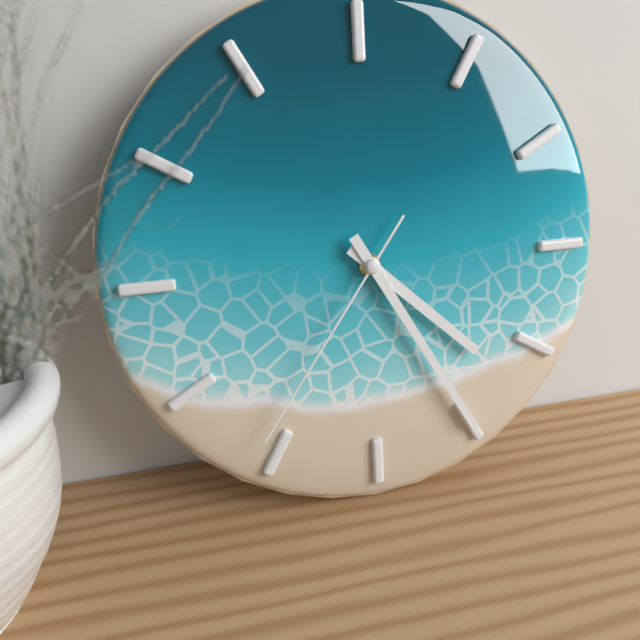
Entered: 4.25.36
